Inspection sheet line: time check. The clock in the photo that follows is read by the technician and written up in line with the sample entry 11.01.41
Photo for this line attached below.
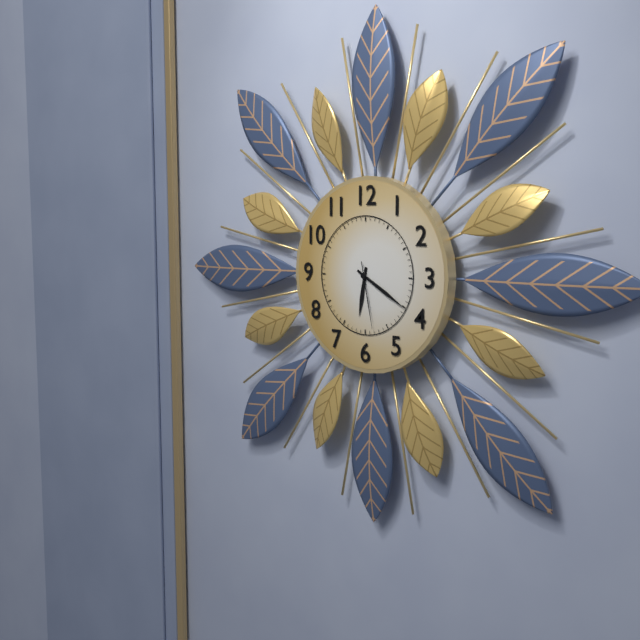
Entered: 6.20.28
